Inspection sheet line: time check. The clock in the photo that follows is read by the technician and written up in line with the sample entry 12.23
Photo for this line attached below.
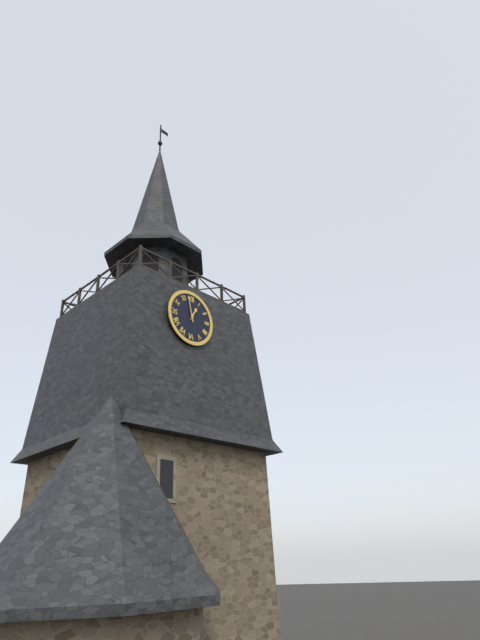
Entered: 12.58
